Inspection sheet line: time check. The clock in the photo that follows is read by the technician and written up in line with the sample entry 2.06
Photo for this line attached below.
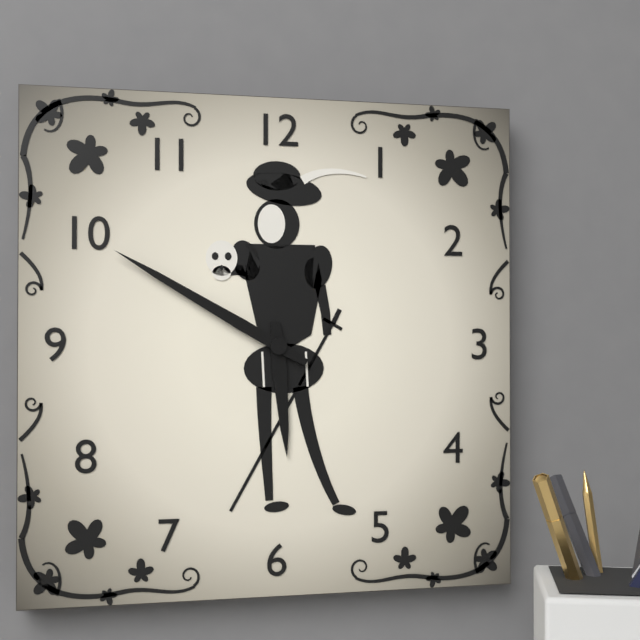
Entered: 5.50
